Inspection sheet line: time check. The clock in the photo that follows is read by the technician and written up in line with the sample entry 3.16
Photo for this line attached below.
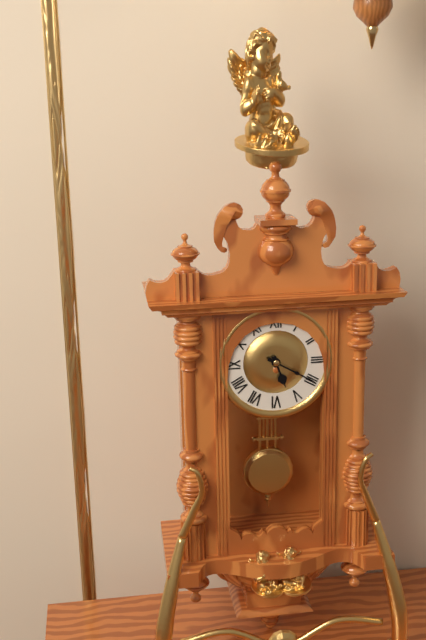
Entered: 5.20
